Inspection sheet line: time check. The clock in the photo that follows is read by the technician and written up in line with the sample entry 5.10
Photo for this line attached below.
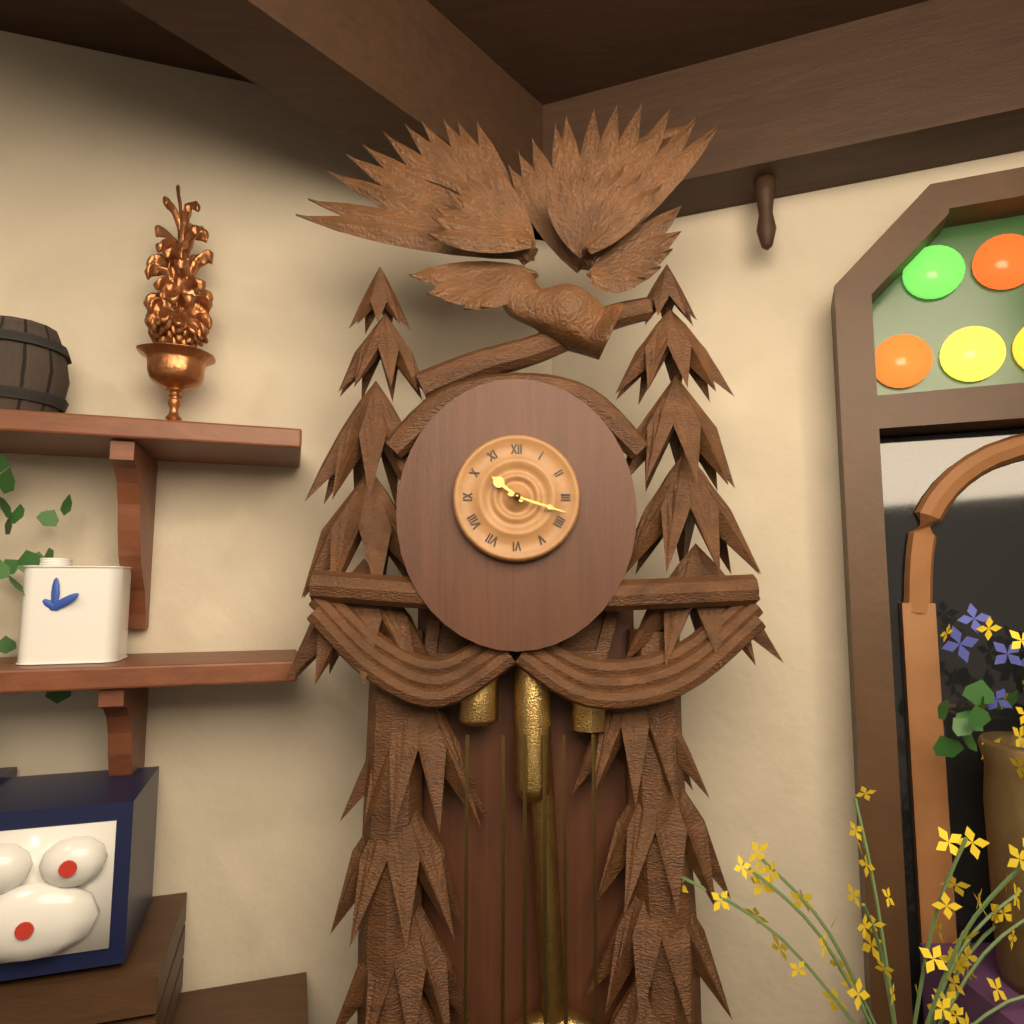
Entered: 10.18
